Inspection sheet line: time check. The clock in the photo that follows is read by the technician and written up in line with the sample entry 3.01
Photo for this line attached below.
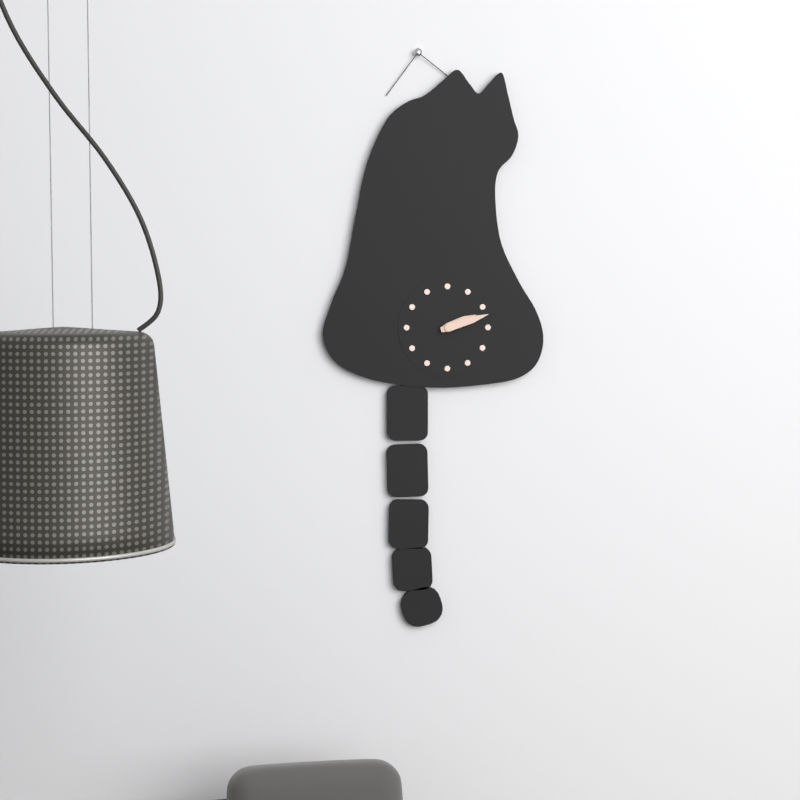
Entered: 2.12
